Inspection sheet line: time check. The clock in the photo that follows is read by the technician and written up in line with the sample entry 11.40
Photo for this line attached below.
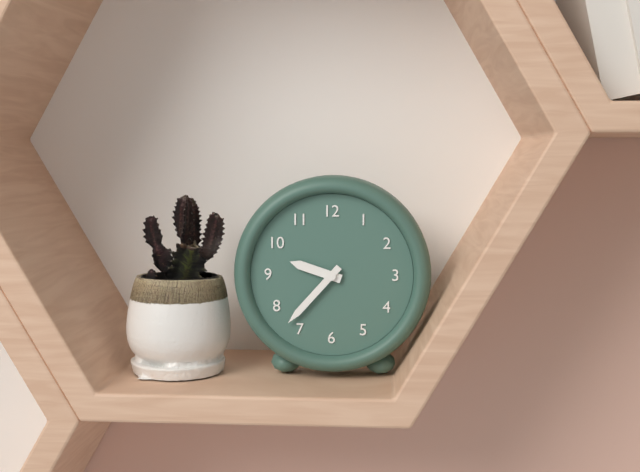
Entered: 9.37
